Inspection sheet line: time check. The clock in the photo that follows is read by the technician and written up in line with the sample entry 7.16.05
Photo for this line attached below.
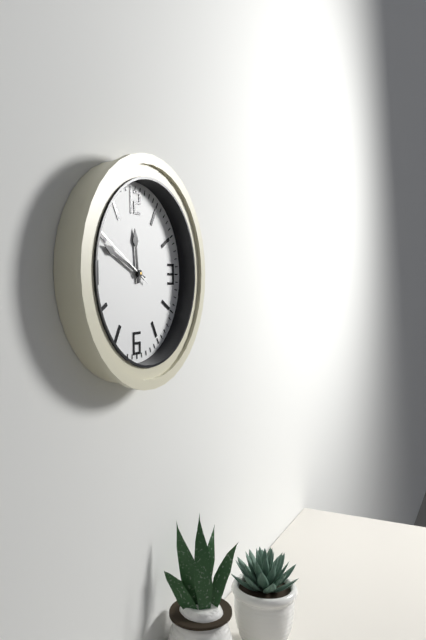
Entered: 11.49.50
